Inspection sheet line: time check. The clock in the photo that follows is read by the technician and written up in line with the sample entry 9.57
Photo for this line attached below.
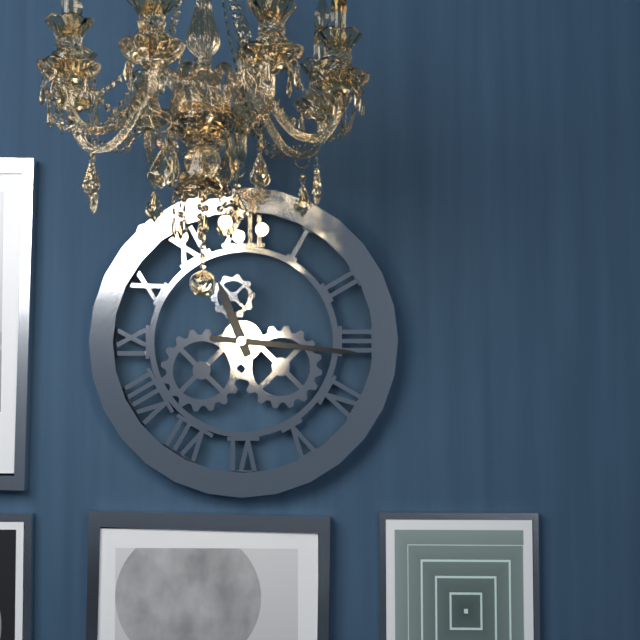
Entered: 11.16
